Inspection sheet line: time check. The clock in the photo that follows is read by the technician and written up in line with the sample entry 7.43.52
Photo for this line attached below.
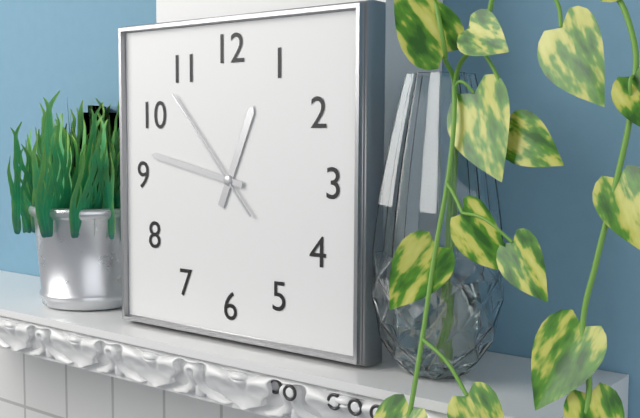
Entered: 12.47.53
